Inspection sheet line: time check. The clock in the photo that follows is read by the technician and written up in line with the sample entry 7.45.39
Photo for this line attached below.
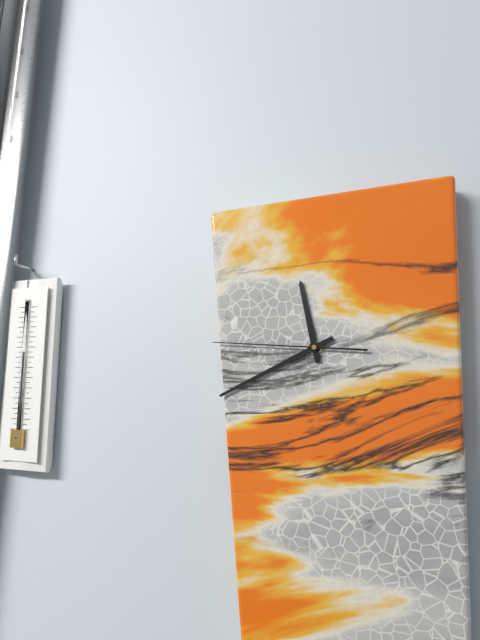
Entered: 11.41.46
